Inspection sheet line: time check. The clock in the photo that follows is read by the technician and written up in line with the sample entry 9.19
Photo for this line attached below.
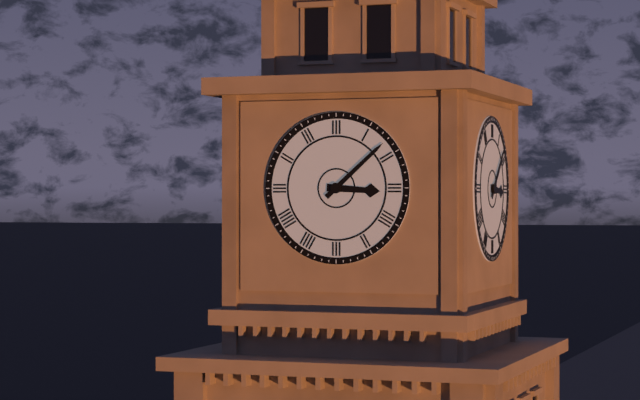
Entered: 3.08
